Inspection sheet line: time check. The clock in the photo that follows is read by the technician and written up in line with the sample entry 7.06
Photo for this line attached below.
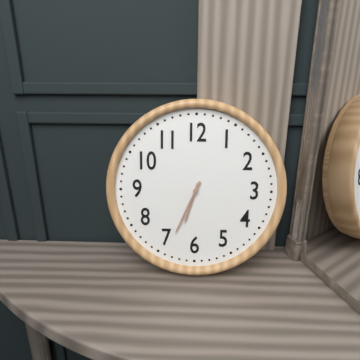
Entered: 6.34
